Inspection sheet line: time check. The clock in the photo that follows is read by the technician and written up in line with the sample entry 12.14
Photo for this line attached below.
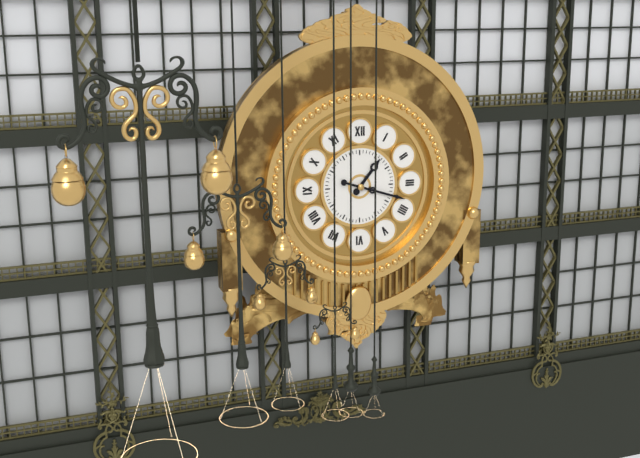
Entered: 1.18
